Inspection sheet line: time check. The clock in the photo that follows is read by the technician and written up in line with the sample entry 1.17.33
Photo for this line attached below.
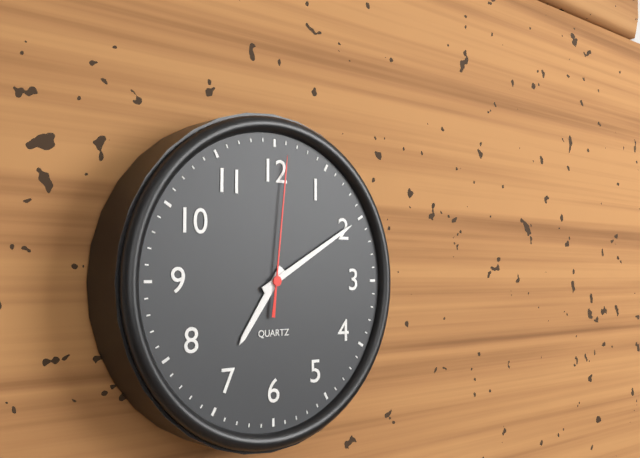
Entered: 7.10.01
